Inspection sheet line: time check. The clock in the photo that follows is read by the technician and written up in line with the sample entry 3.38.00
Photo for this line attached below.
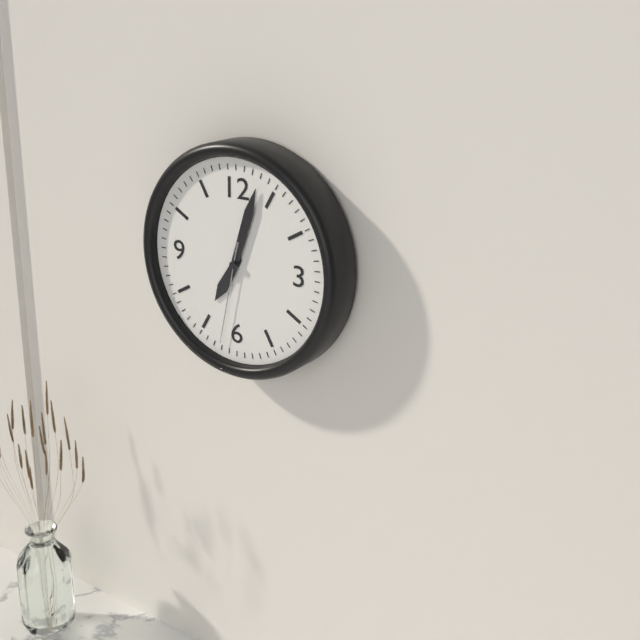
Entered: 7.03.32
